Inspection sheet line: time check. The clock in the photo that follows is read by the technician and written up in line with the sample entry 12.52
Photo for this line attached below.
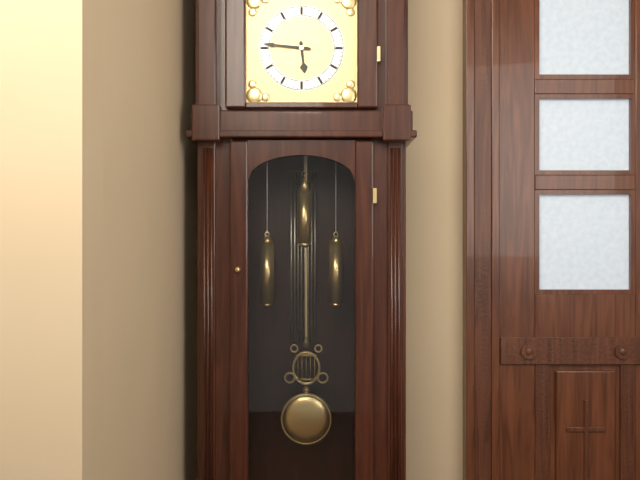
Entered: 5.46
